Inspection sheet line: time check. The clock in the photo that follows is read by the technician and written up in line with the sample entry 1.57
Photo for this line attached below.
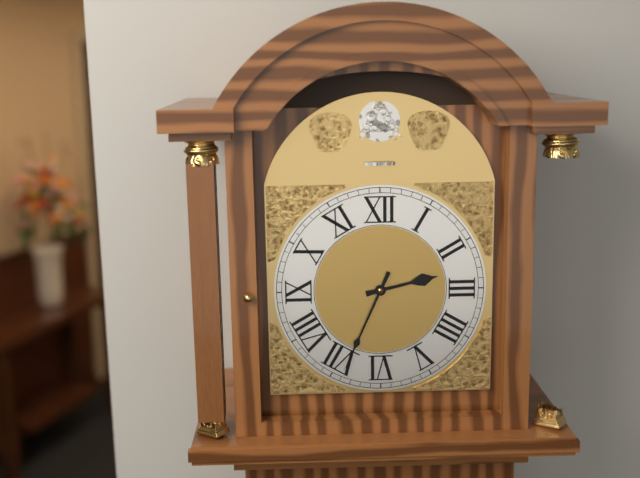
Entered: 2.34
